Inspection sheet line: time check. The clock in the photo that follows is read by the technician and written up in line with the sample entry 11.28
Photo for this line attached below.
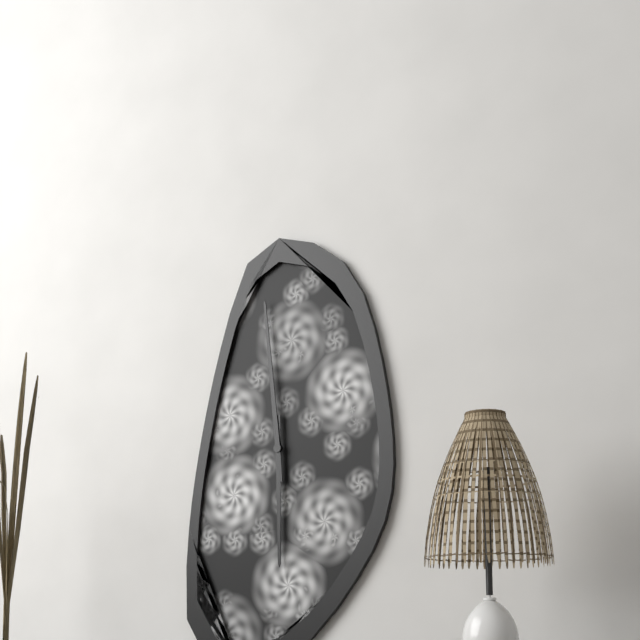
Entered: 5.59
